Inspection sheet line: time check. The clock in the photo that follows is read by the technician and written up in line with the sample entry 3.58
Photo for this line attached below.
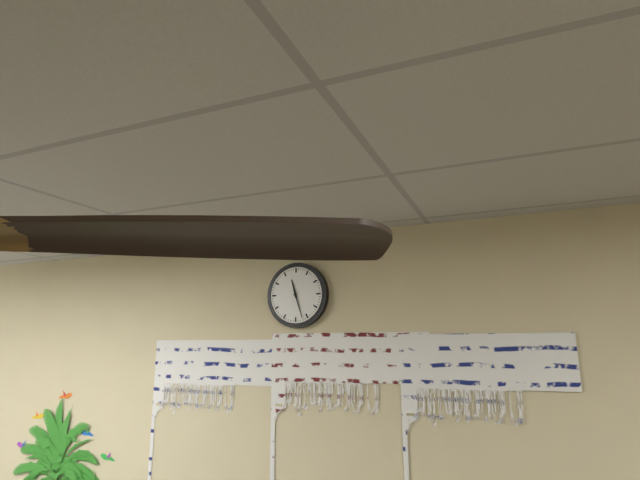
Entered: 11.27
